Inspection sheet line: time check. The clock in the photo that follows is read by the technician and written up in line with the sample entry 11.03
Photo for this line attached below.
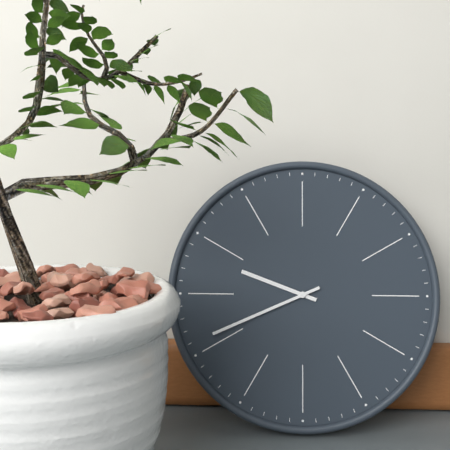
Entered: 9.41
